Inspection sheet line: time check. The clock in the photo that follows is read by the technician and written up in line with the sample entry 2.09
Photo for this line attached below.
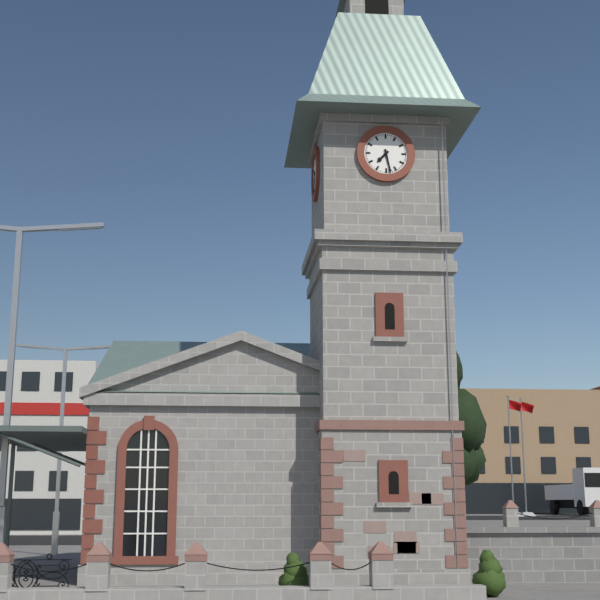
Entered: 7.28
